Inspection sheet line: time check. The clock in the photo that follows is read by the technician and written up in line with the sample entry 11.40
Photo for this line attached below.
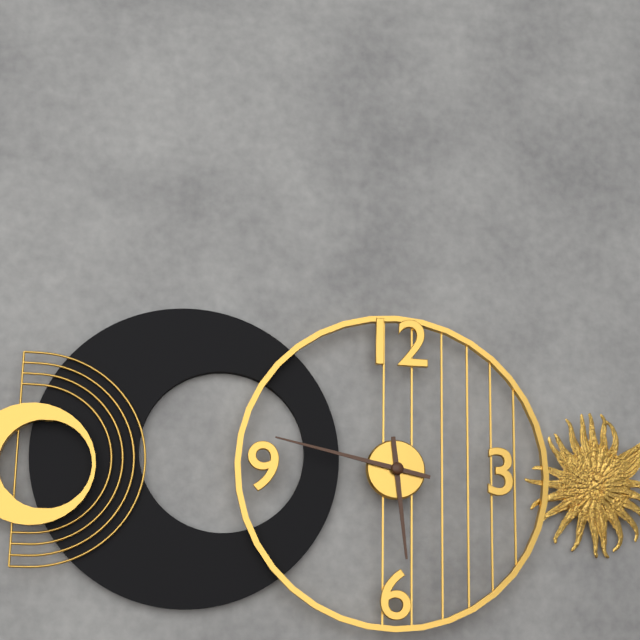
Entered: 5.47
